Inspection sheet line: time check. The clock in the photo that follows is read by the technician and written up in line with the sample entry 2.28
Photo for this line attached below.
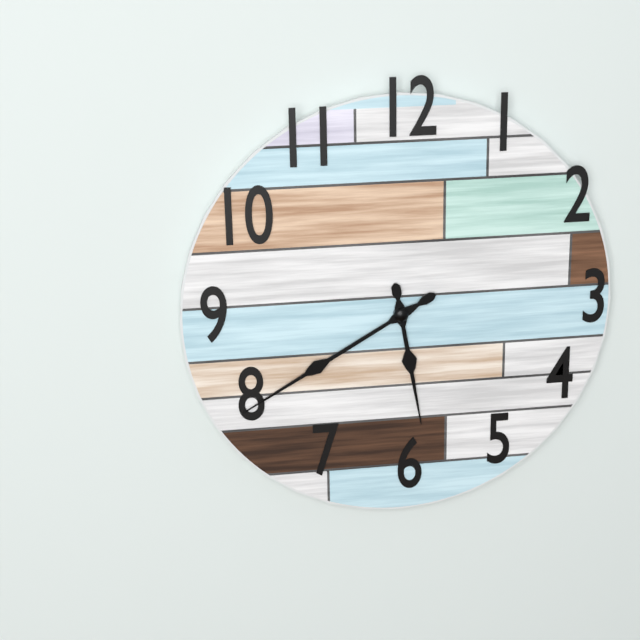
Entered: 5.40
